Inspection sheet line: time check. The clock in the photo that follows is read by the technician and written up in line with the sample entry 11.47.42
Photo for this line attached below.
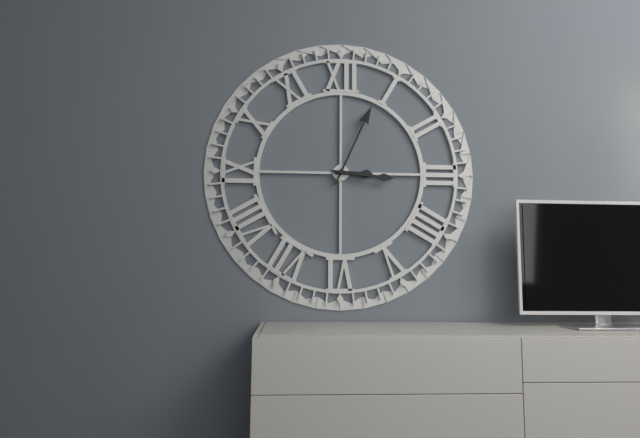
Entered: 3.04.16
